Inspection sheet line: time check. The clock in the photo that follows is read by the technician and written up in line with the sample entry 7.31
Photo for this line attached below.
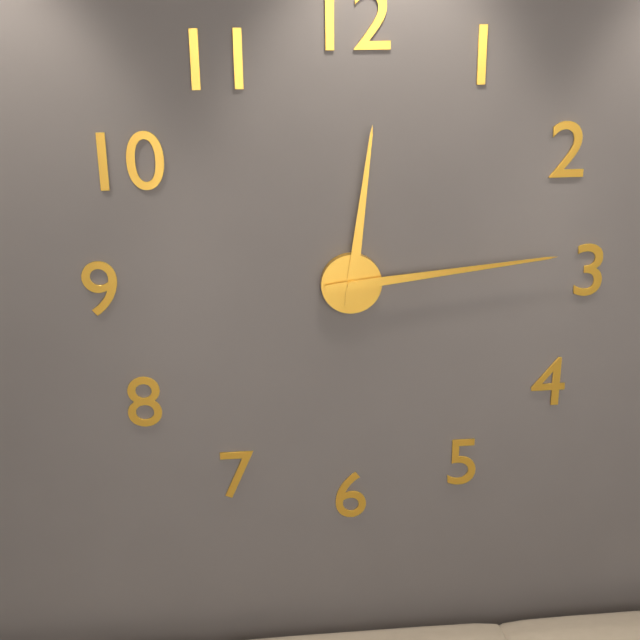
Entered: 12.14
